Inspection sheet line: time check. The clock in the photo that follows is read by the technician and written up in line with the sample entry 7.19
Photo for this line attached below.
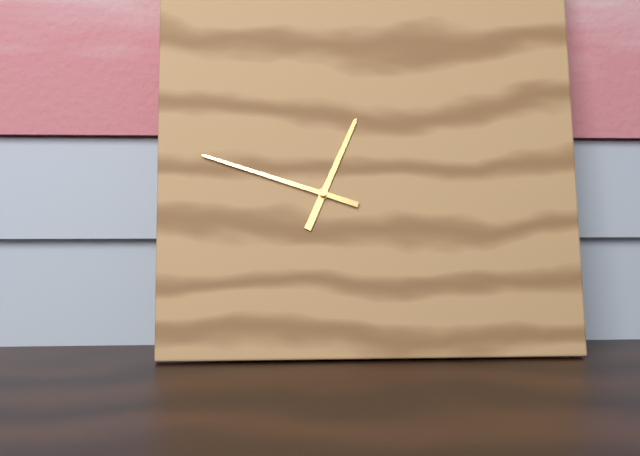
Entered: 12.48
